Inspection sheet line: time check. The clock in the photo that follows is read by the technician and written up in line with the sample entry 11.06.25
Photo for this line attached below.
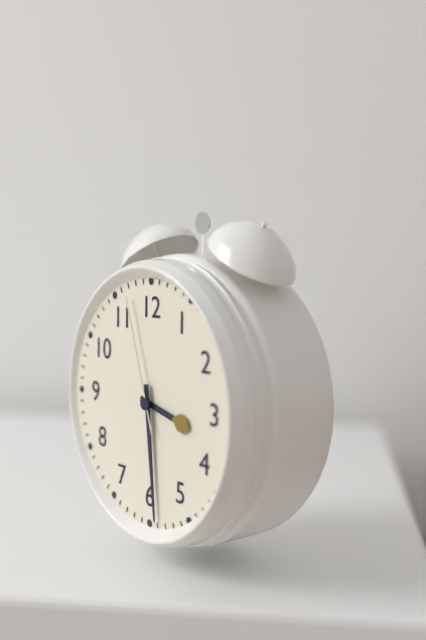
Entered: 3.29.57
